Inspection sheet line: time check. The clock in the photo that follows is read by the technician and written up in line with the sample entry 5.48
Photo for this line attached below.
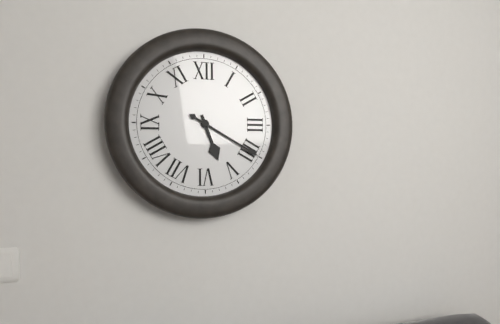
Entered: 5.20
